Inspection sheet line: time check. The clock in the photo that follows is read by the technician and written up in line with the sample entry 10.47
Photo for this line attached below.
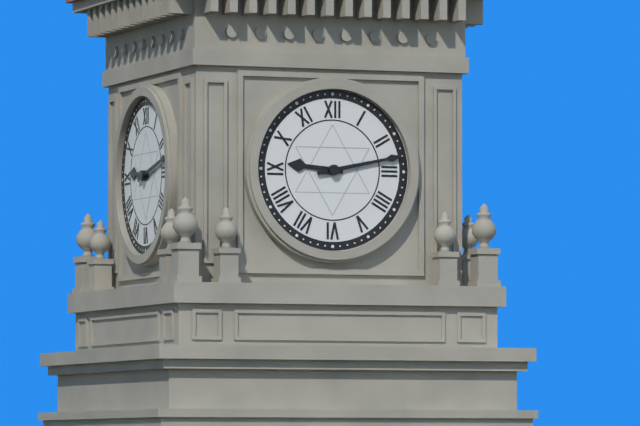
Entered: 9.13
